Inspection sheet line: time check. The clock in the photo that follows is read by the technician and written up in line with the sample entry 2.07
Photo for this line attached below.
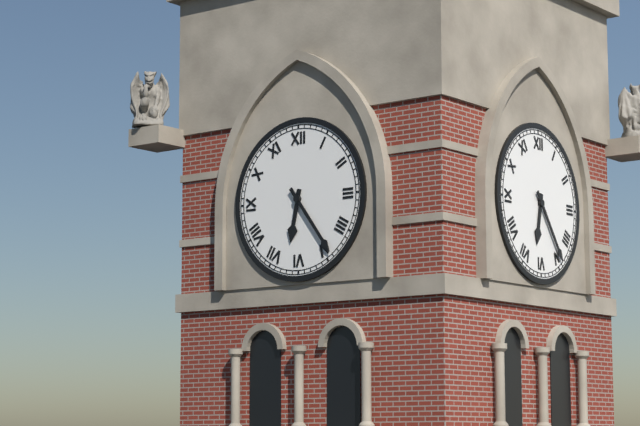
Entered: 6.24
